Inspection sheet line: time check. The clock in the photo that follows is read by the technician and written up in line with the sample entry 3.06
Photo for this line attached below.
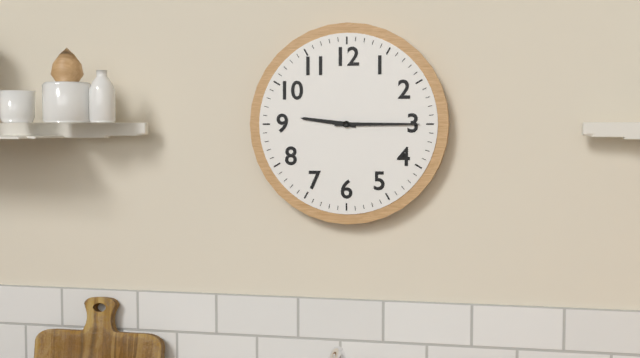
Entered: 9.15
